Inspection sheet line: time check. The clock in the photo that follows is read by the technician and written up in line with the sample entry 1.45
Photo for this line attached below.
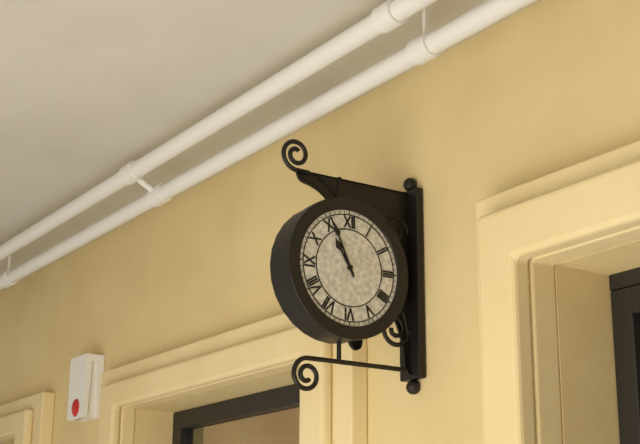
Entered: 10.56
